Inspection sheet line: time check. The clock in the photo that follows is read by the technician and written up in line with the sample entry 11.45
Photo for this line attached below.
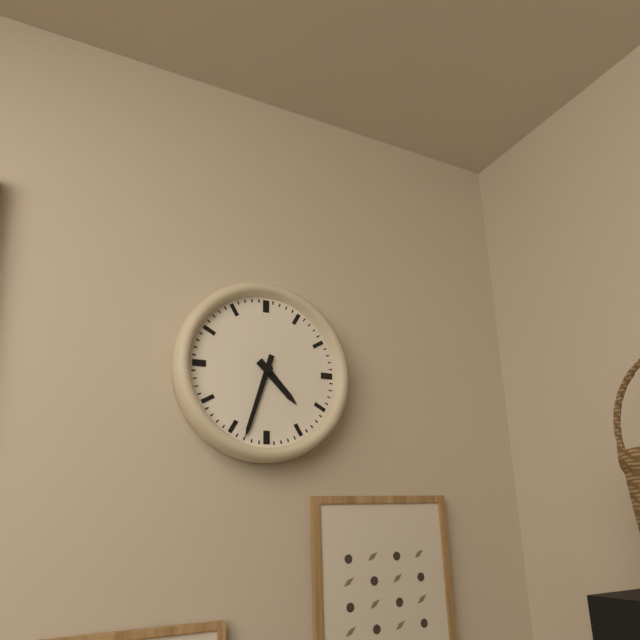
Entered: 4.33
